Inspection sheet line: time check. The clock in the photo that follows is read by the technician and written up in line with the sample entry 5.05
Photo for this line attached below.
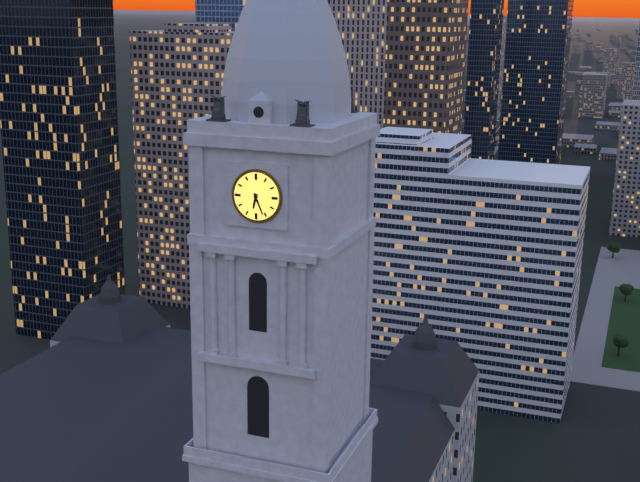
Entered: 6.26
